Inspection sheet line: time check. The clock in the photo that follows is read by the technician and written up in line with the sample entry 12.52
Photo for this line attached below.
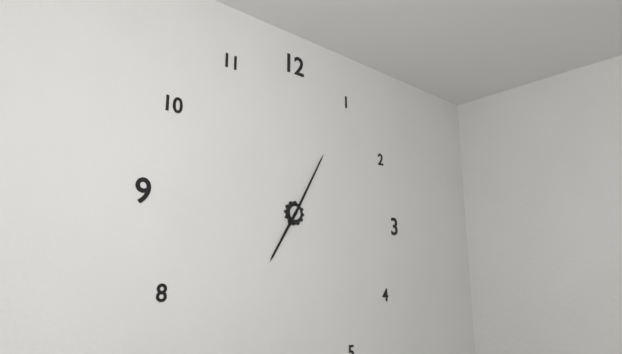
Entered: 7.05
